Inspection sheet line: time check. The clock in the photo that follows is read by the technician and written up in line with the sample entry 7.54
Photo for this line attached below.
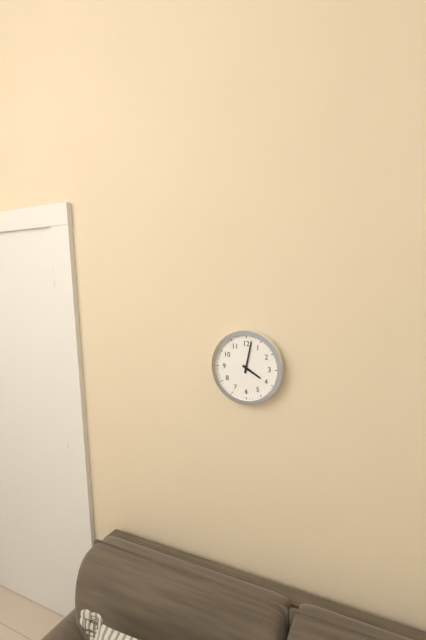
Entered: 4.02
